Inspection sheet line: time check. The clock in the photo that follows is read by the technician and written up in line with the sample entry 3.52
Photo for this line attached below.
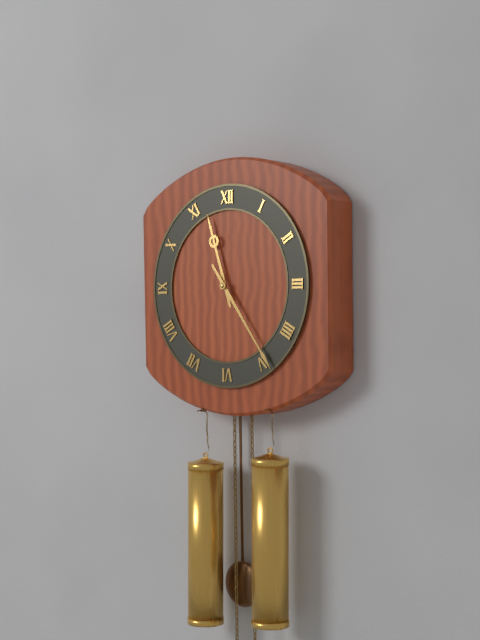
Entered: 11.24
